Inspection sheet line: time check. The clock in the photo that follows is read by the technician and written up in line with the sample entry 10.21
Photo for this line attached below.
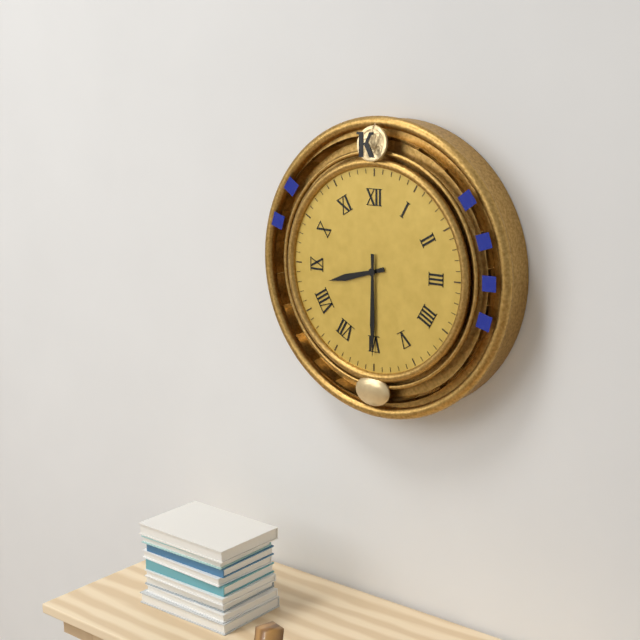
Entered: 8.30
